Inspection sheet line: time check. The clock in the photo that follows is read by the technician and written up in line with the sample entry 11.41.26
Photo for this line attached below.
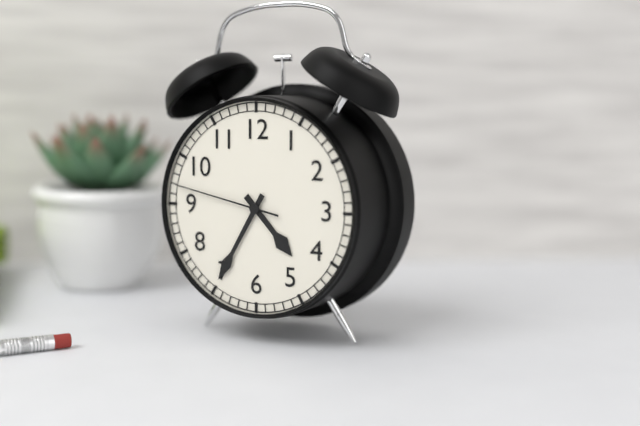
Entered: 4.35.47
